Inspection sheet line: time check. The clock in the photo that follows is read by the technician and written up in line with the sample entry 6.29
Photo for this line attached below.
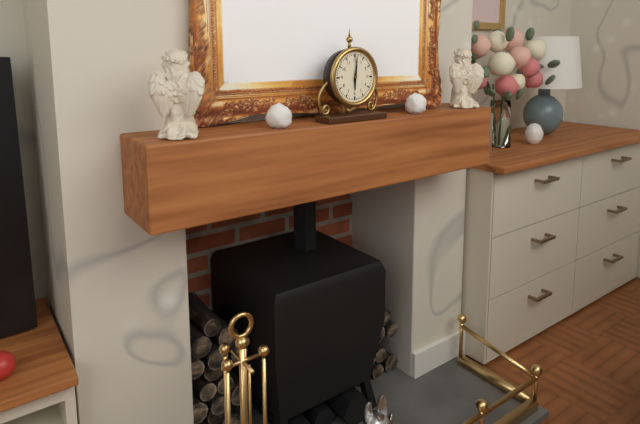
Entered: 6.01
